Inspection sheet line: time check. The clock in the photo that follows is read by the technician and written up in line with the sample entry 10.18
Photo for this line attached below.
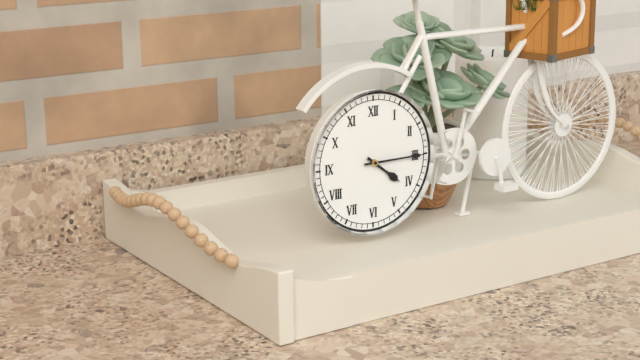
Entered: 4.15
